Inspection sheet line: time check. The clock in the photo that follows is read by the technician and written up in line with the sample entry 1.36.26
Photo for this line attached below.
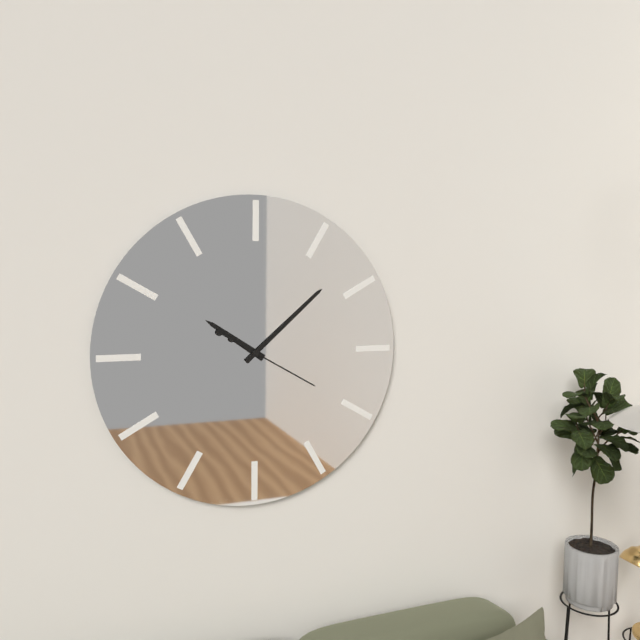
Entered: 10.08.20
